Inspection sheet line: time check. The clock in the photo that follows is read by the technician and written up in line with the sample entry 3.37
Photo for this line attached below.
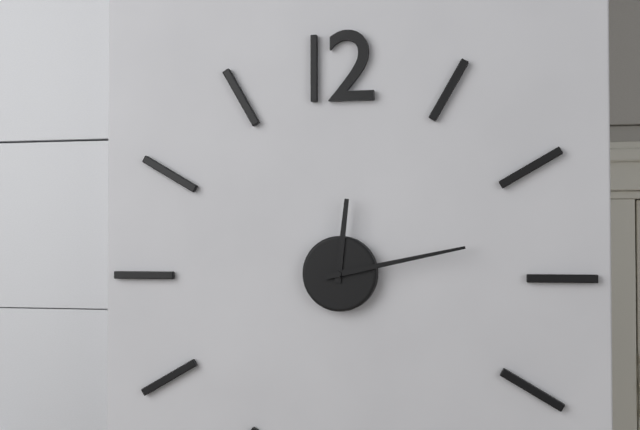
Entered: 12.13
